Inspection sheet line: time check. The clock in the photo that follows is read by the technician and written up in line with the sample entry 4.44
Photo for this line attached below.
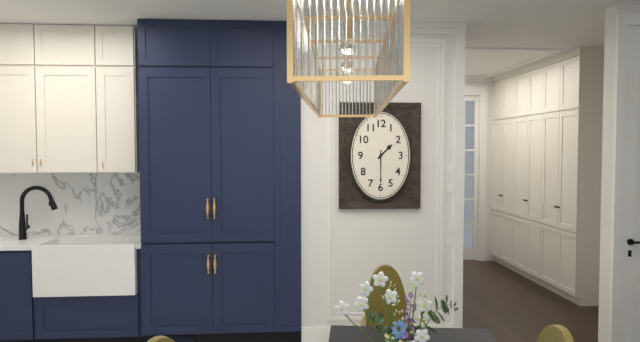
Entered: 1.30
